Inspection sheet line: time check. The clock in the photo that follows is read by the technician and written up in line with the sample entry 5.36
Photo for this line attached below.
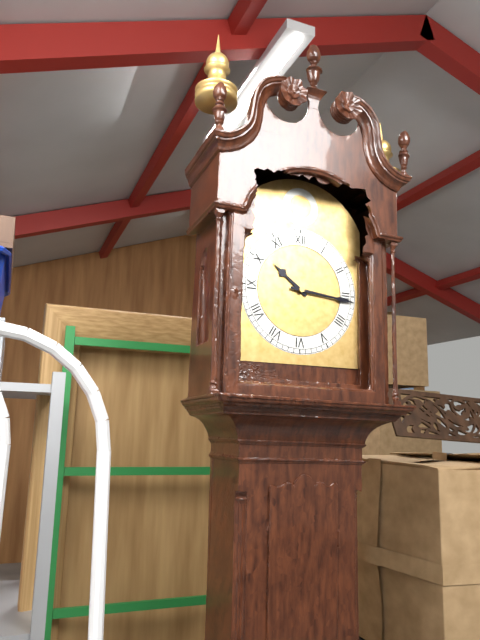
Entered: 10.16
